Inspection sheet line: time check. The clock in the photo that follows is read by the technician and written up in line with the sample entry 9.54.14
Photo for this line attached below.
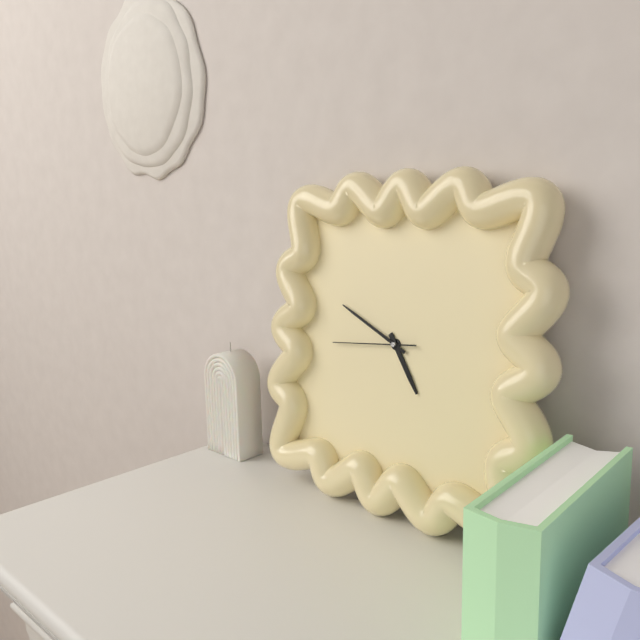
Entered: 4.49.44
